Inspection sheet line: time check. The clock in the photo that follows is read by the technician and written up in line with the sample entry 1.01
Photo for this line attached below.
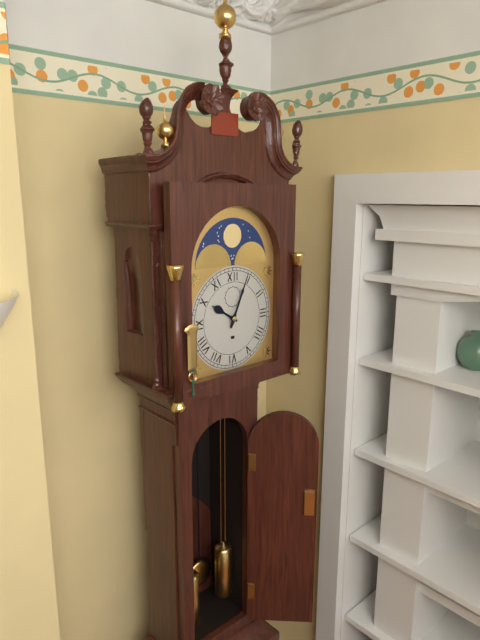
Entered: 10.04
